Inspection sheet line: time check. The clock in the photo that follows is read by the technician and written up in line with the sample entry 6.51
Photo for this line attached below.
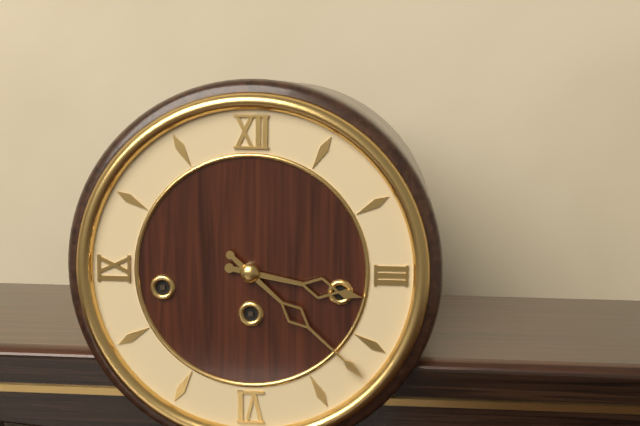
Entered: 3.22
